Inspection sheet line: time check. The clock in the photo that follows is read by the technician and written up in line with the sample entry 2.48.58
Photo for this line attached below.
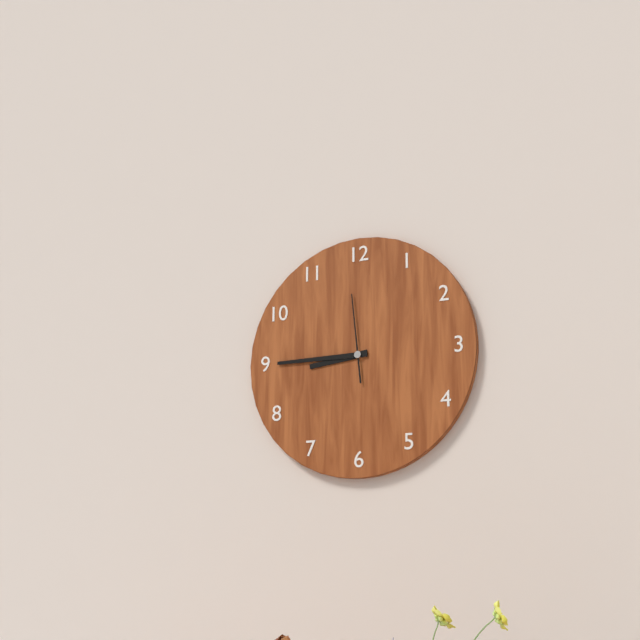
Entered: 8.45.59
